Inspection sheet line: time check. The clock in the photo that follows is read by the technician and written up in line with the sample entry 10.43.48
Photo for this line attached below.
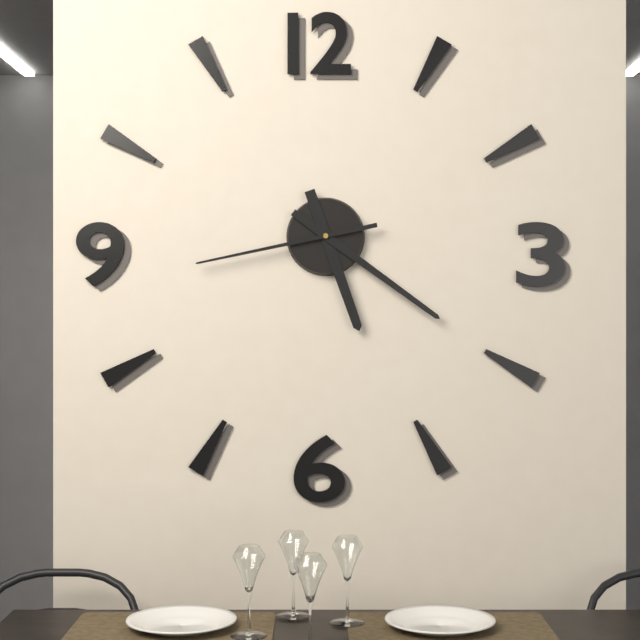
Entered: 5.21.43
